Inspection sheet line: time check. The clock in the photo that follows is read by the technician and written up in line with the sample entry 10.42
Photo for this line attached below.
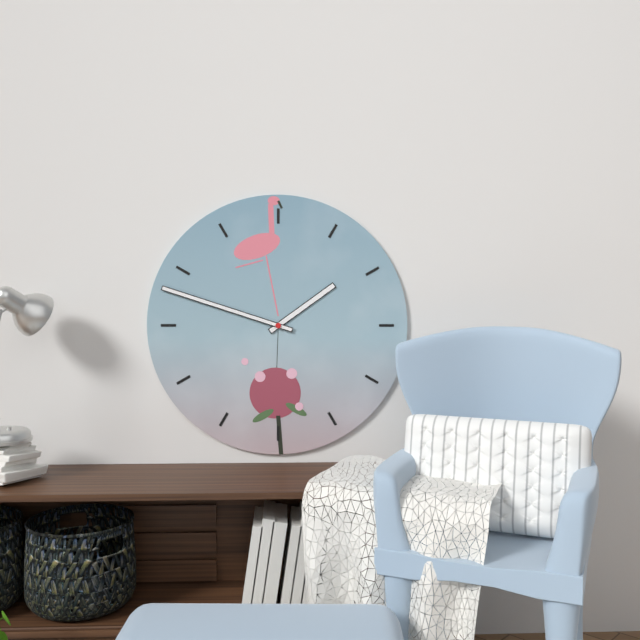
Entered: 1.48
